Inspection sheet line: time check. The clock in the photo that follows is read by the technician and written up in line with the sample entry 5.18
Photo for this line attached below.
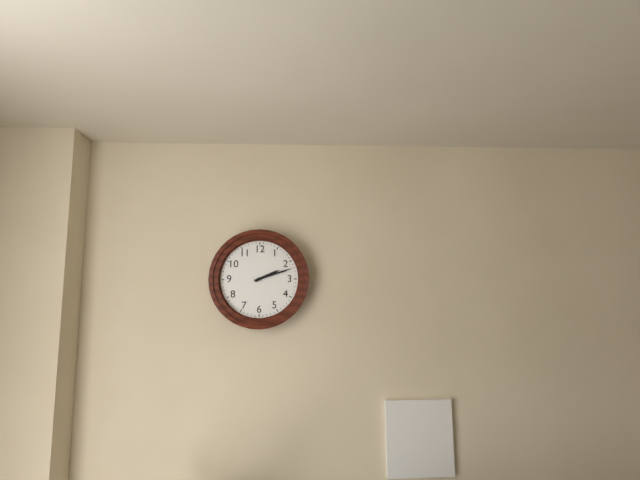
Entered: 2.12
